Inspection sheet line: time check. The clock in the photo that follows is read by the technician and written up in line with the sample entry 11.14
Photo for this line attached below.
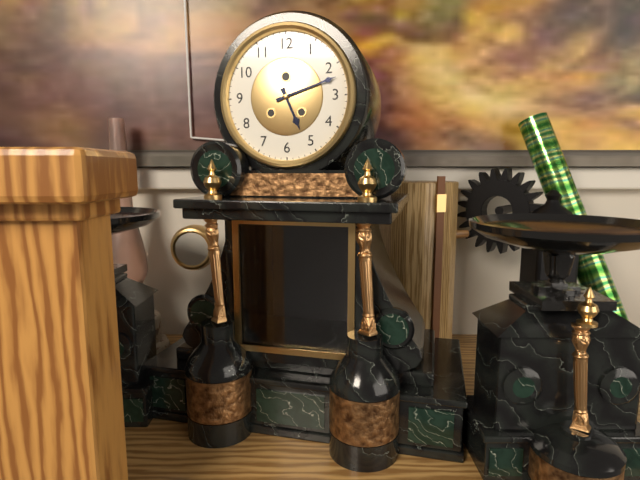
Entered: 5.12
